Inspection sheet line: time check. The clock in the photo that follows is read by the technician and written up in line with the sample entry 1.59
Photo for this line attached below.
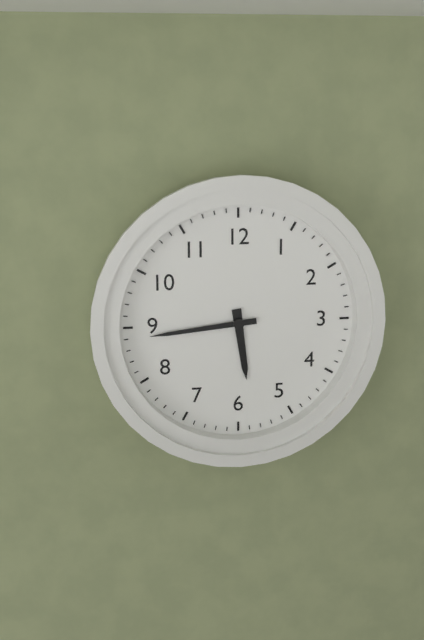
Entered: 5.44
